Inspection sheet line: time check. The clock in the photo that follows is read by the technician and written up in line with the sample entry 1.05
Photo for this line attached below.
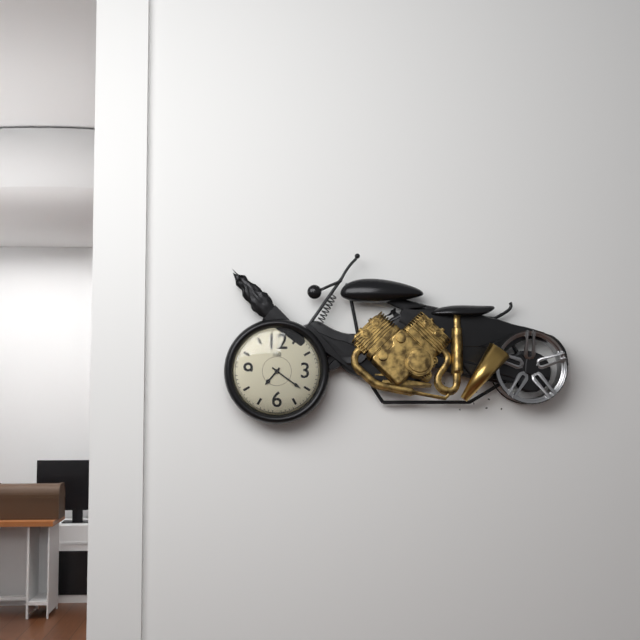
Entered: 7.21
